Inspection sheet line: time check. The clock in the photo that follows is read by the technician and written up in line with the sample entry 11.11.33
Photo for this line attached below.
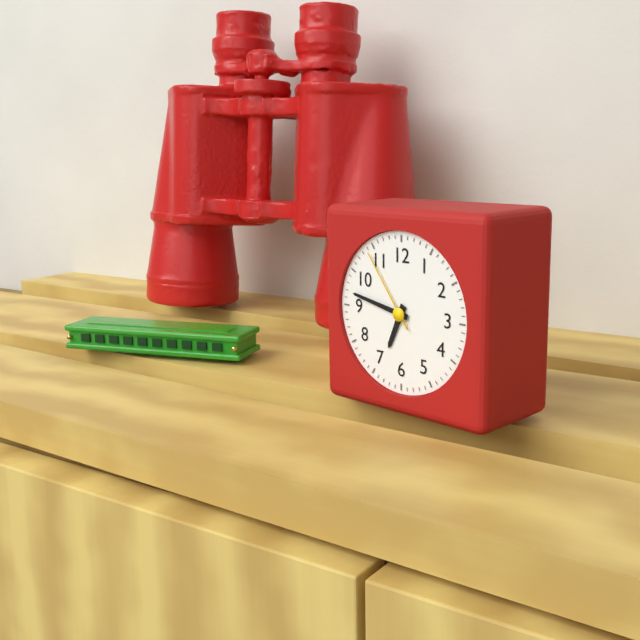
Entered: 6.47.54
